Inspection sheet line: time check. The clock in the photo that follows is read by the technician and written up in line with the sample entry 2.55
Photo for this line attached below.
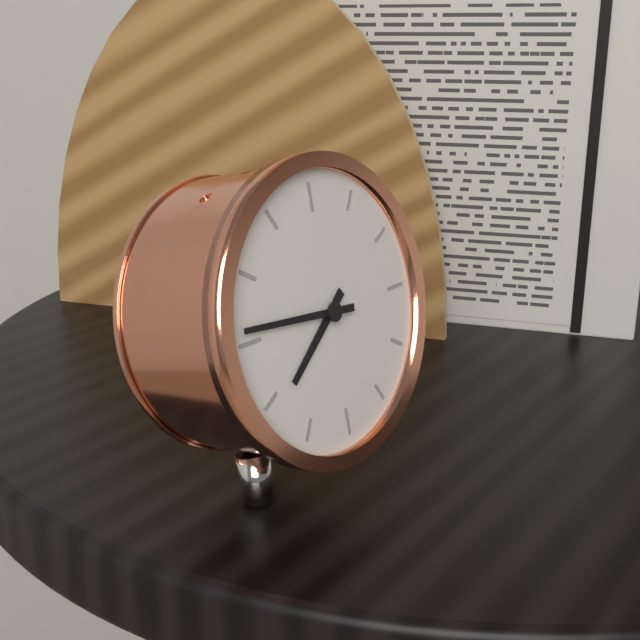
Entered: 7.46
